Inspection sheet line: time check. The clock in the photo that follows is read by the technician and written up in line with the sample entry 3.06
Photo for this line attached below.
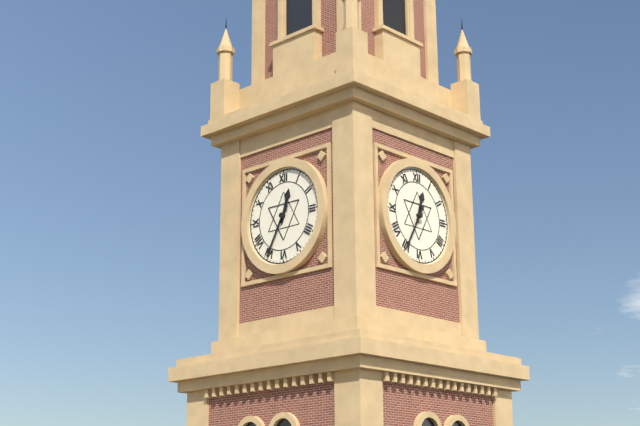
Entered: 12.35
